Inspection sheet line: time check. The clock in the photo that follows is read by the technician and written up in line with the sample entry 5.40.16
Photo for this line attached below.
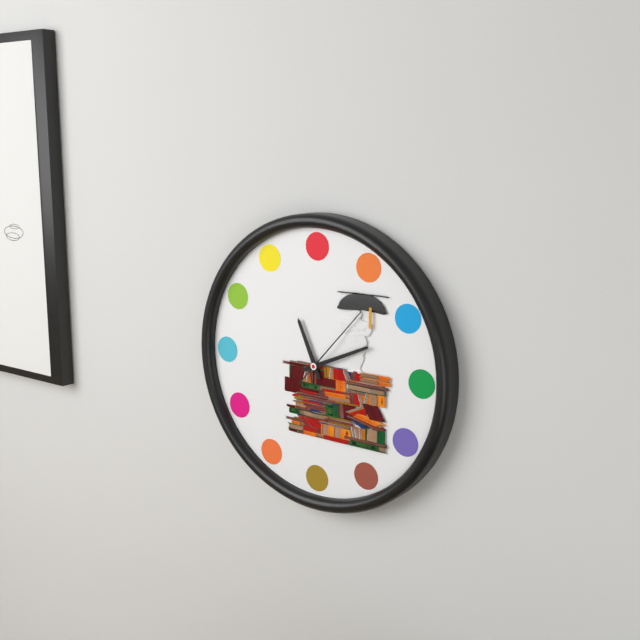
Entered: 11.11.07
